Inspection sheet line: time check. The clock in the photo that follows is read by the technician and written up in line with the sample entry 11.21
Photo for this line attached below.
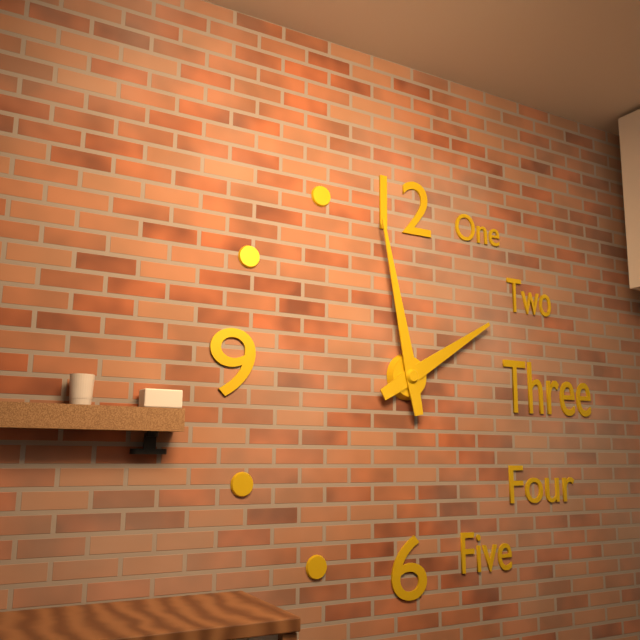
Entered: 1.58
